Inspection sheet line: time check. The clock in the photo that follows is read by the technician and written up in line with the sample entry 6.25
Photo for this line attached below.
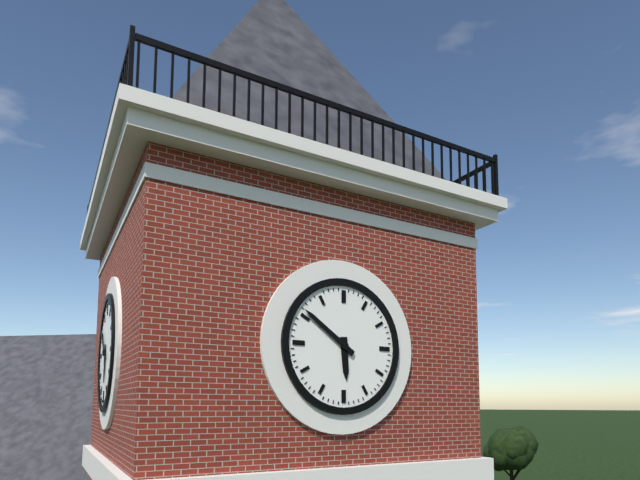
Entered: 5.51
